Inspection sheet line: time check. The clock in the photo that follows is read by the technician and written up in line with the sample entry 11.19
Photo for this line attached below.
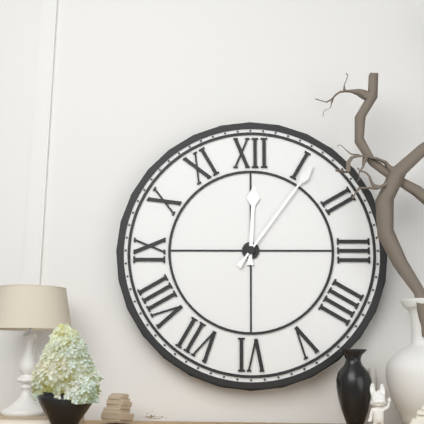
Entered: 12.06
